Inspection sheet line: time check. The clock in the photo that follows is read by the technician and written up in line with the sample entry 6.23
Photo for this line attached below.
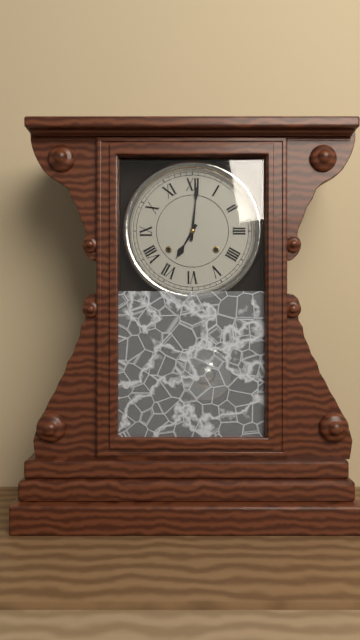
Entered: 7.01
